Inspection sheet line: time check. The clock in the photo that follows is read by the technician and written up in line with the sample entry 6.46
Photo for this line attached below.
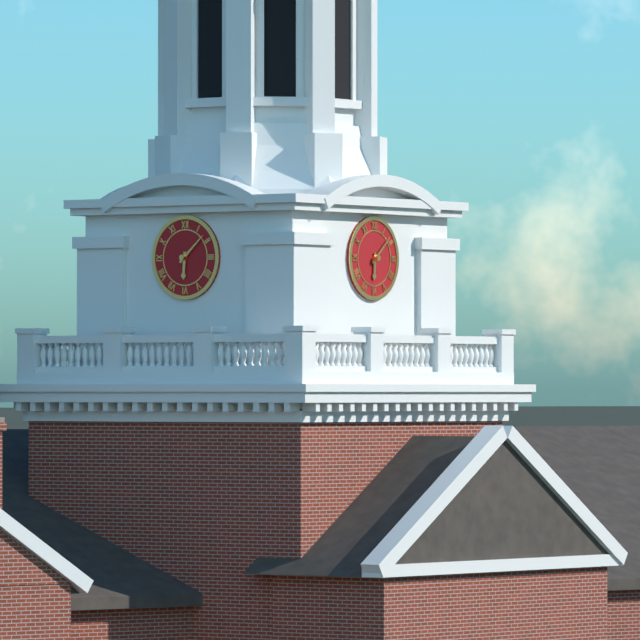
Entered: 6.08
